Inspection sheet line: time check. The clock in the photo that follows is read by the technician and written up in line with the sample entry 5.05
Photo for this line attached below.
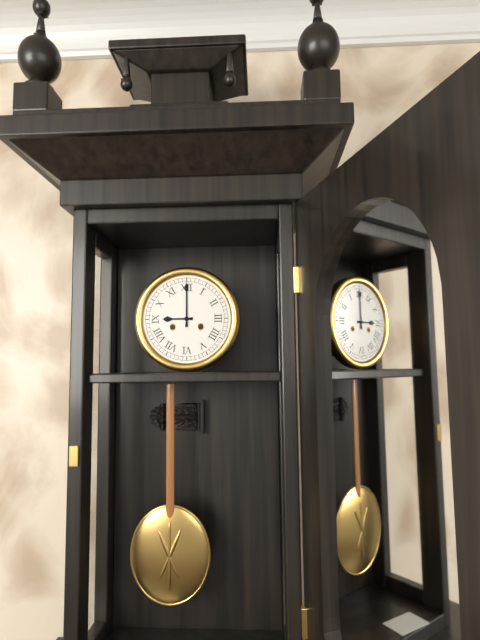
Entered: 9.00
